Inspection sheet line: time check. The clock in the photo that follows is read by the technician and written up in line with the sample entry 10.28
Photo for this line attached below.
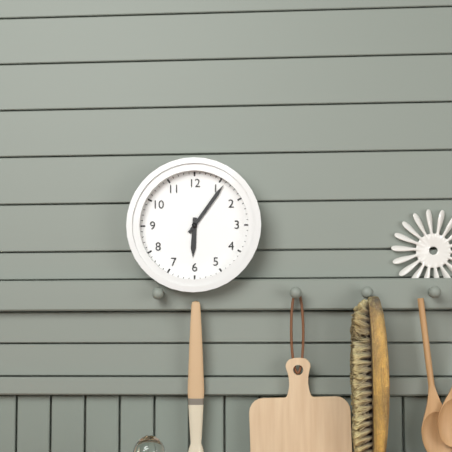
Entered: 6.06
